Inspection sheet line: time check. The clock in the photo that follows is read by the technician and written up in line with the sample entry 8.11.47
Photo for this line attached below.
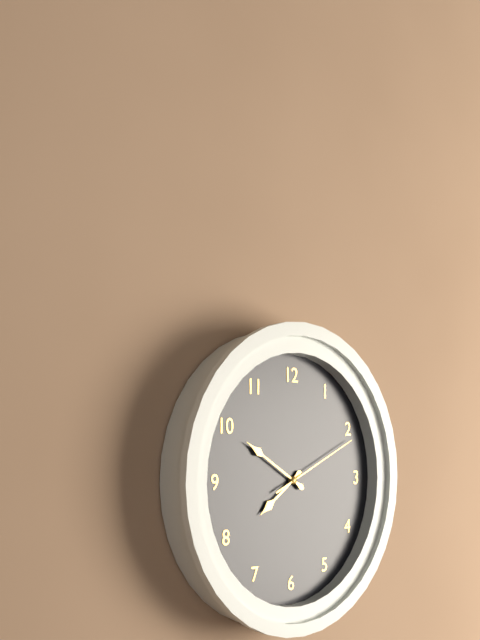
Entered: 7.50.11
